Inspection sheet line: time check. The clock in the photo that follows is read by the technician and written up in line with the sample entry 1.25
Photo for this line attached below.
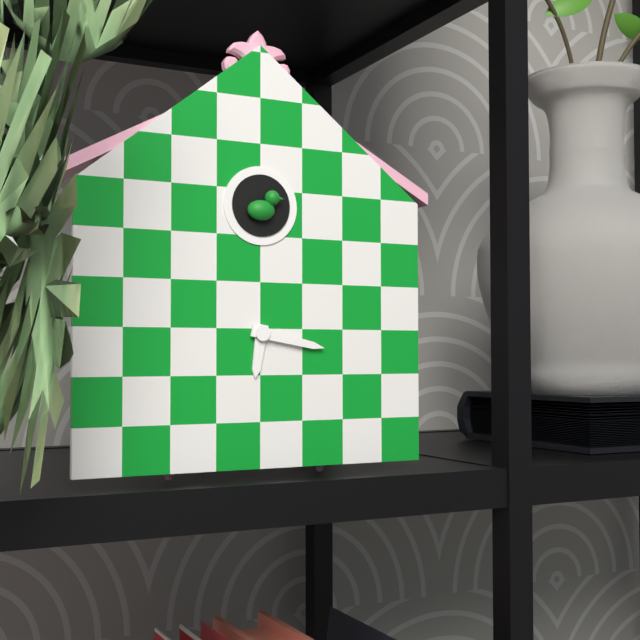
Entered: 6.17
